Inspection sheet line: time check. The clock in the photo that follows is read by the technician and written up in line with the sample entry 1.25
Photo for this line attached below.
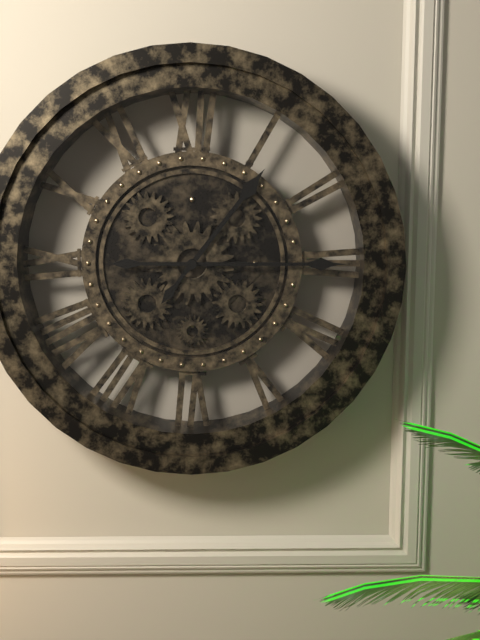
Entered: 1.15
